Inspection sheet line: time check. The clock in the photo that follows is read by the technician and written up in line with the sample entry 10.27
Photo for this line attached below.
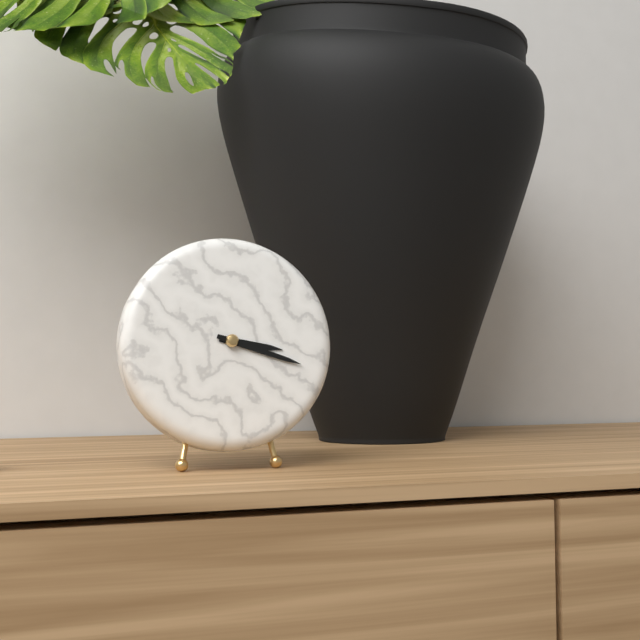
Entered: 3.18
